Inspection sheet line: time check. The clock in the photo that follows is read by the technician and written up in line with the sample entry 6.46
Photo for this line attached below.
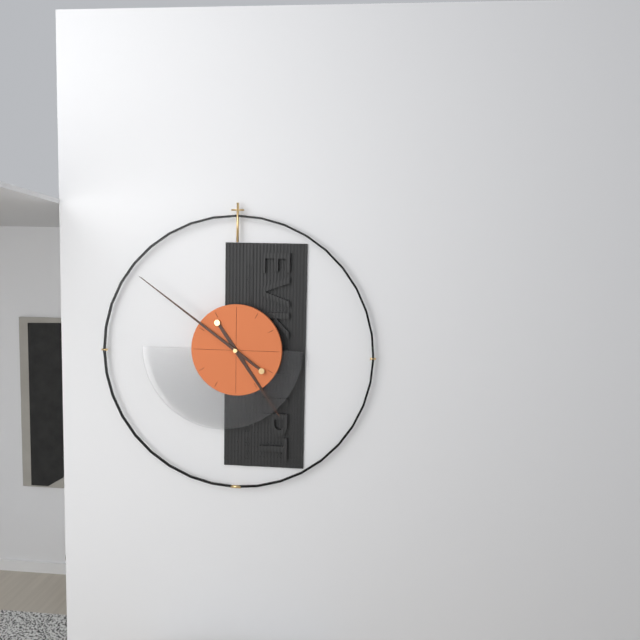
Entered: 4.51
